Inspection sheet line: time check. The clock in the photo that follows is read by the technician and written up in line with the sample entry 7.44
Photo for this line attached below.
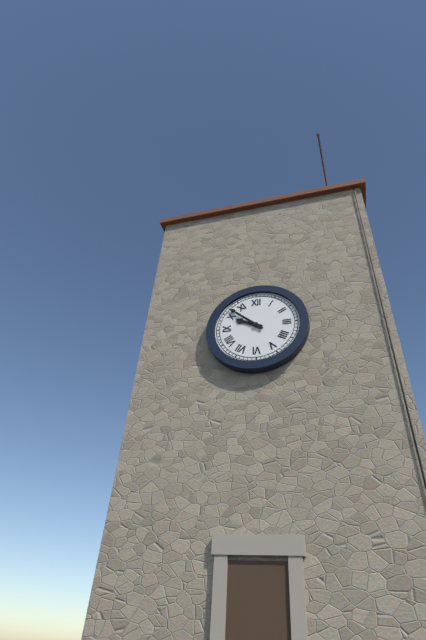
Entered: 9.52
